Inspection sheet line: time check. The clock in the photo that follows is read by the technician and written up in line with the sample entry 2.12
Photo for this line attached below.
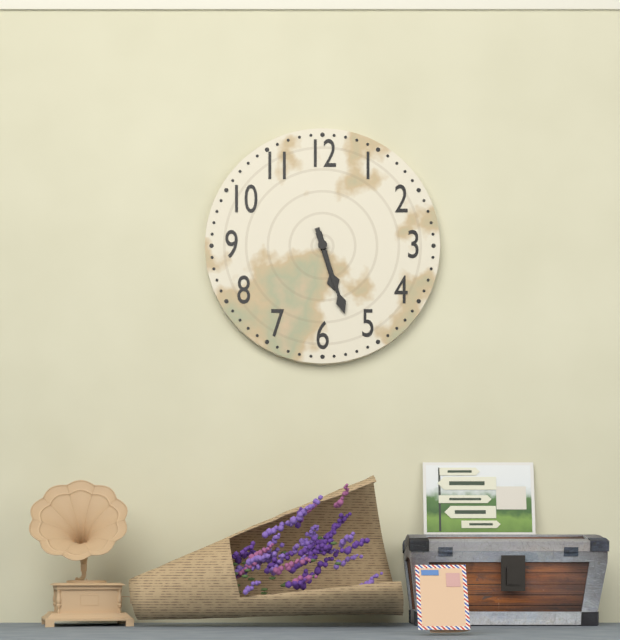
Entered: 5.27
